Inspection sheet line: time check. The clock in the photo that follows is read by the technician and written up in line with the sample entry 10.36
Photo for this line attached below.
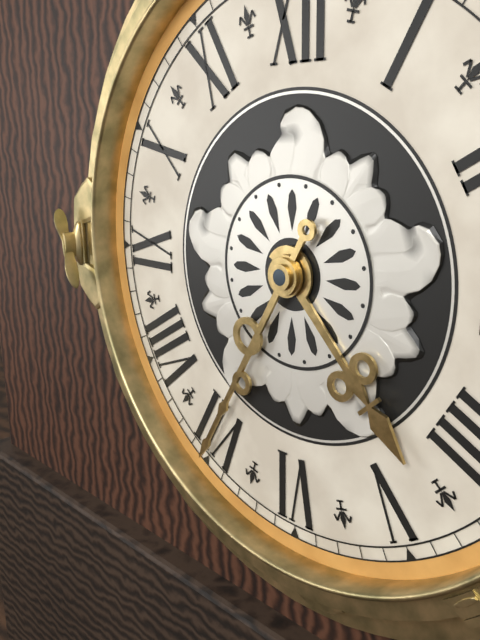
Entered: 4.35
